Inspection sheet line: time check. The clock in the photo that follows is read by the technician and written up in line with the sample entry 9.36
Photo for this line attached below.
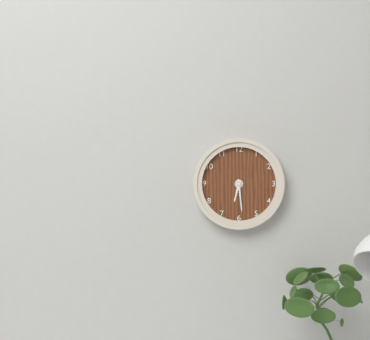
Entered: 6.29
